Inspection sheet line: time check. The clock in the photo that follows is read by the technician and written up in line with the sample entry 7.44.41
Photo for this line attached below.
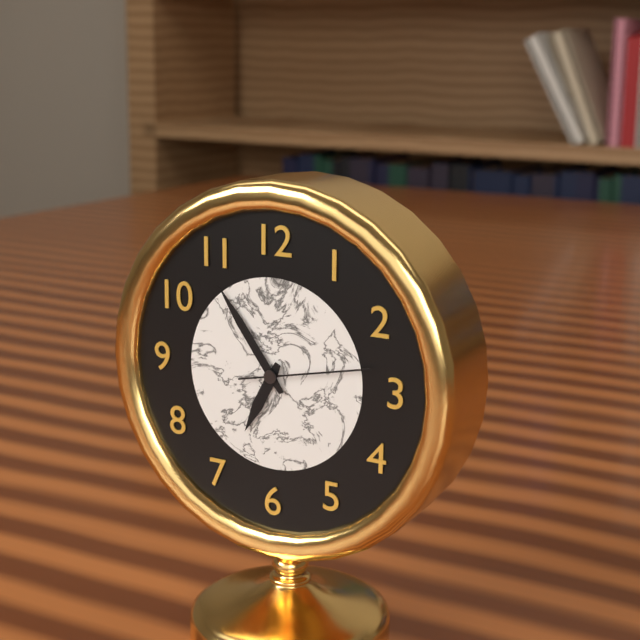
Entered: 6.54.13
